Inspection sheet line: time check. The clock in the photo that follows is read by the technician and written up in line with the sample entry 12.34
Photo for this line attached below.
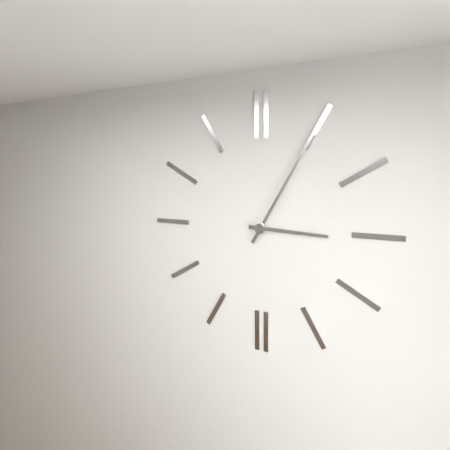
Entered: 3.05
